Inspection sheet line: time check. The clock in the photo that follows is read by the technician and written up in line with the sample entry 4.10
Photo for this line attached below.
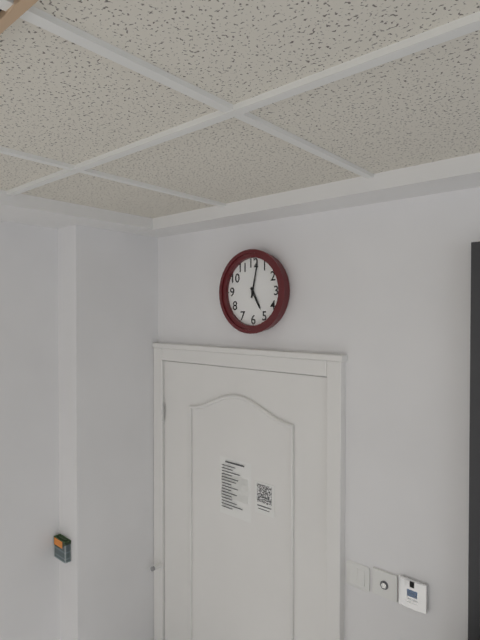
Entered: 5.02
